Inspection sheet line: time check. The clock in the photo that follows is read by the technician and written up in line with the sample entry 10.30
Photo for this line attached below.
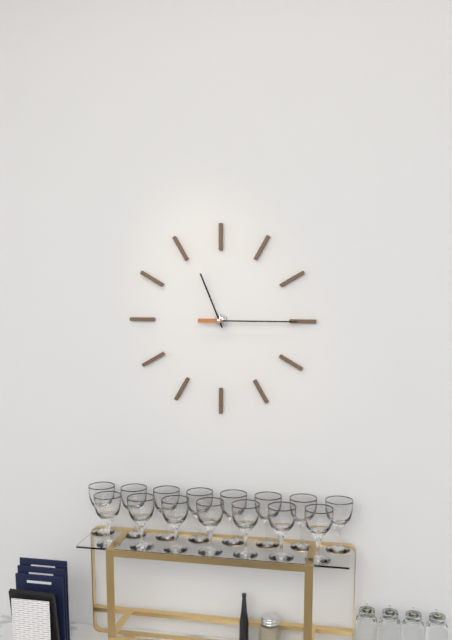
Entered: 11.15
